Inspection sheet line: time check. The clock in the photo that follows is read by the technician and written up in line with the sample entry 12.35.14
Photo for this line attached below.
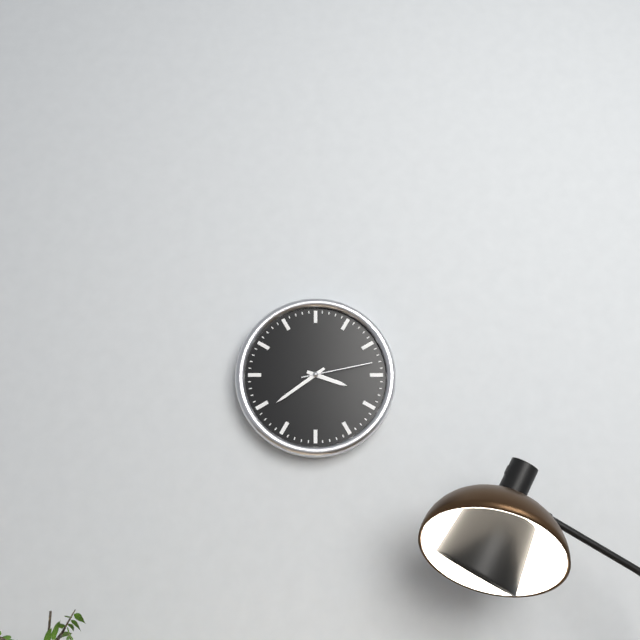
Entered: 3.39.13
